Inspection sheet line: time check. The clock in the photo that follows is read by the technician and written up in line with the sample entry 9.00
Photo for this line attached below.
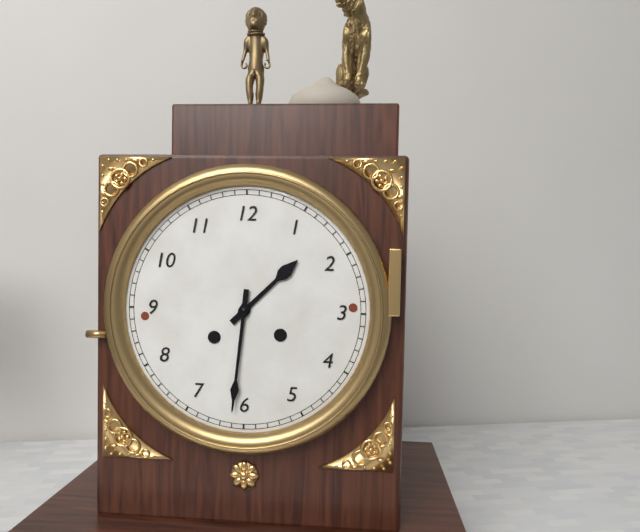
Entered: 1.31
